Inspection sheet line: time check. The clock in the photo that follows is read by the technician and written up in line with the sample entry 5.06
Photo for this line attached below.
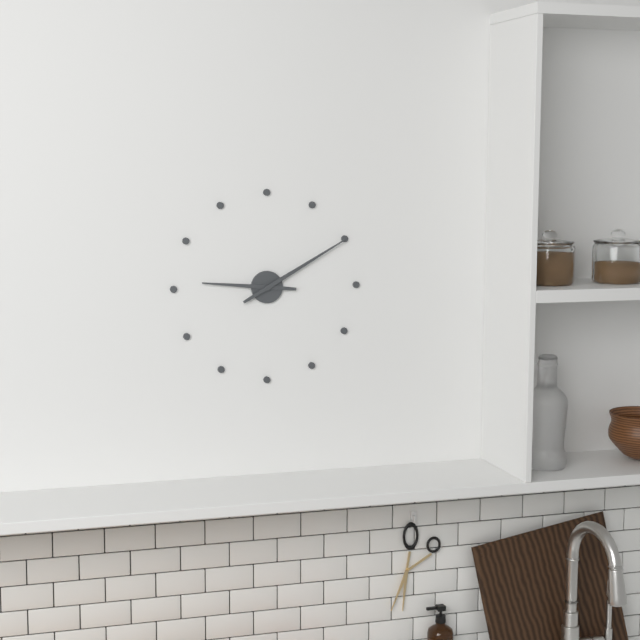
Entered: 9.10
